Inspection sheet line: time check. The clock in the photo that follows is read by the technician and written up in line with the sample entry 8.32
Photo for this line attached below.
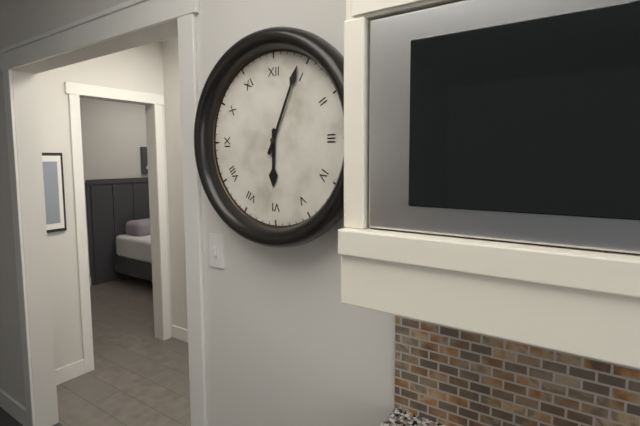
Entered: 6.04
